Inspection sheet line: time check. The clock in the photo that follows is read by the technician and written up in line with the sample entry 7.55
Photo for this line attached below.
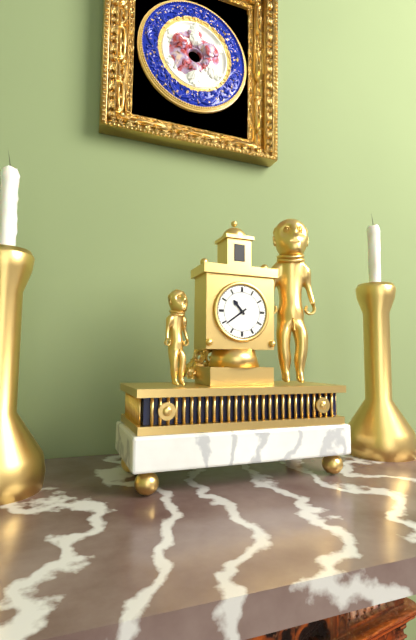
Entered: 10.39
